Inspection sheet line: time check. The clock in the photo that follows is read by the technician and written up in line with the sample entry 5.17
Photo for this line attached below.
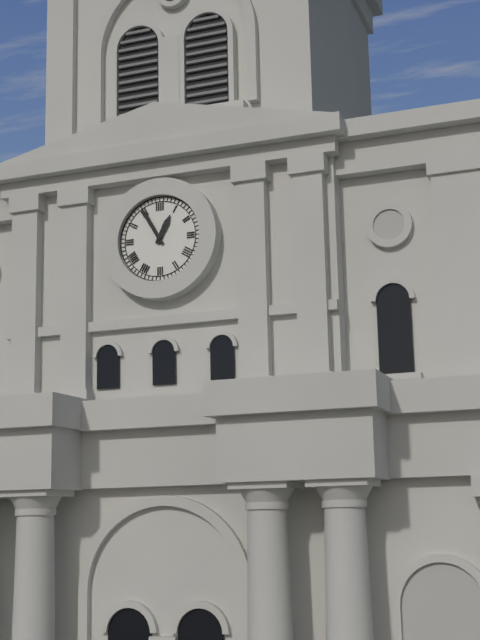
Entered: 12.55
